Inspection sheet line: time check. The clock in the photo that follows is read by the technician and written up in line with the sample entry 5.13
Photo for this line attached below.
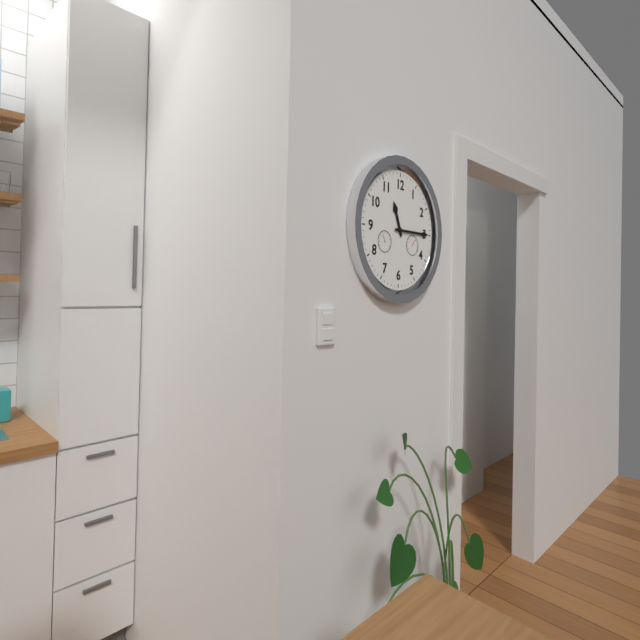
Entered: 11.15
